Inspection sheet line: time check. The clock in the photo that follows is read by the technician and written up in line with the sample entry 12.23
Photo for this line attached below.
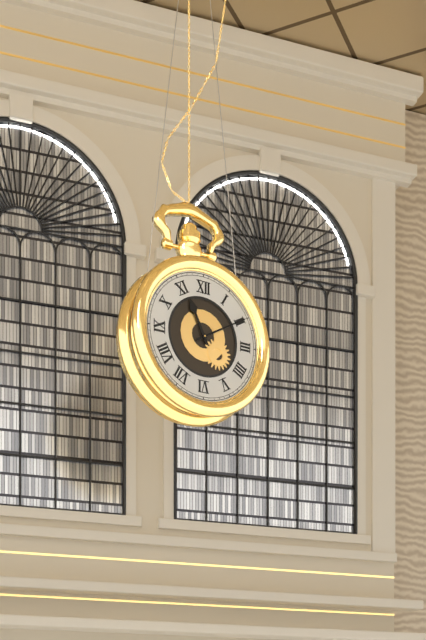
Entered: 11.10
